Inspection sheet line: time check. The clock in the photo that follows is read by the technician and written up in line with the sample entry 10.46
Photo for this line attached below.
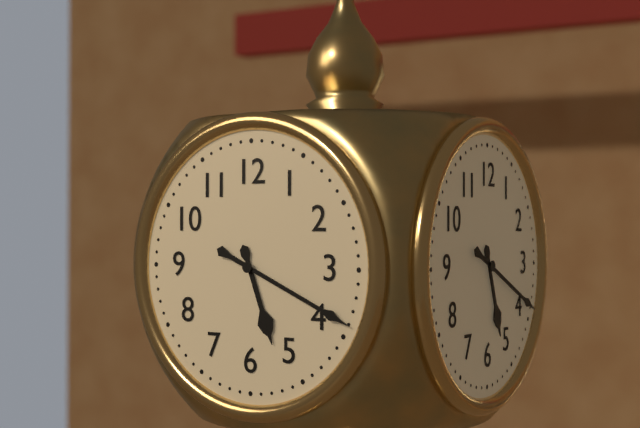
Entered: 5.19
